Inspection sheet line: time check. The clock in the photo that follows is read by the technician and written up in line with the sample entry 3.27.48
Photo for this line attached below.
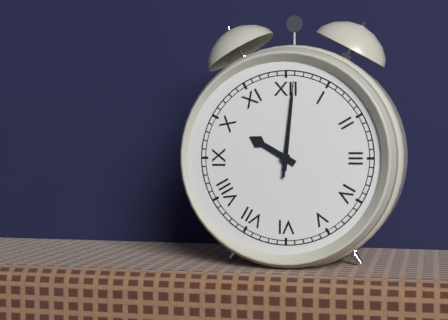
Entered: 10.01.01
